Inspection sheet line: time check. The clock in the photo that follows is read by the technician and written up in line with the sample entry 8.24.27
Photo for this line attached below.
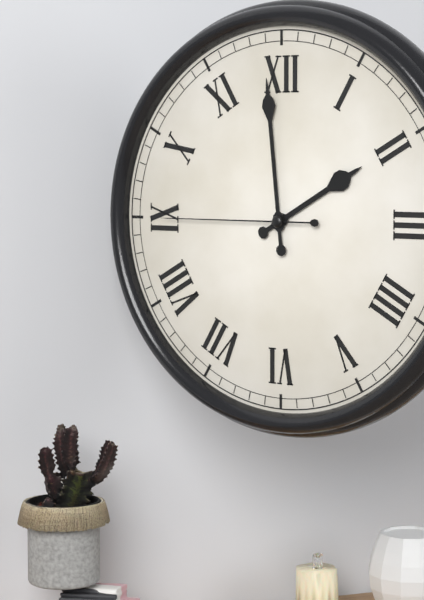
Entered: 1.59.45
